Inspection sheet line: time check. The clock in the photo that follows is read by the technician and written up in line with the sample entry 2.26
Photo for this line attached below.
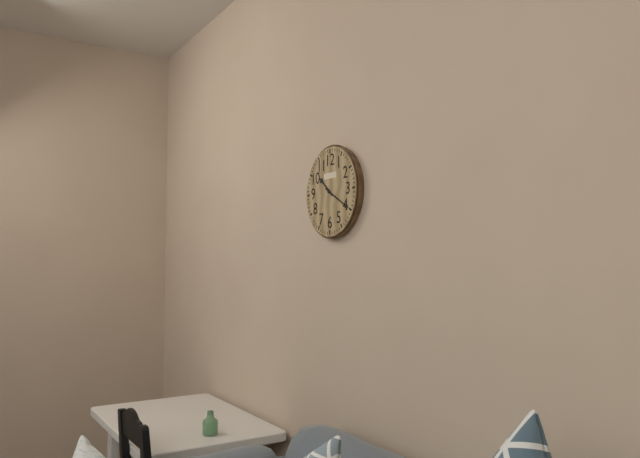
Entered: 10.20
